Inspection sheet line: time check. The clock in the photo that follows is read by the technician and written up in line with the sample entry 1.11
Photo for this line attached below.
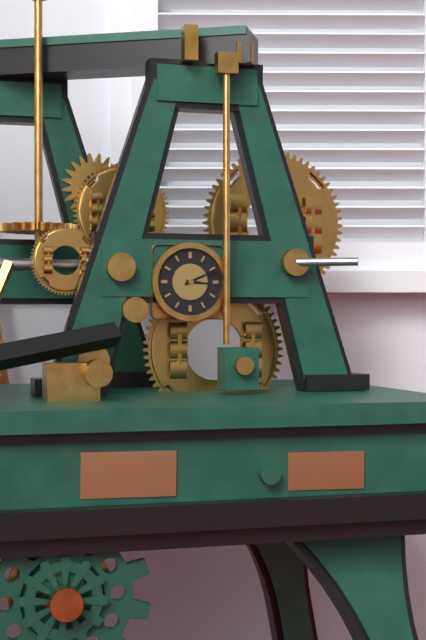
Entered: 3.11
